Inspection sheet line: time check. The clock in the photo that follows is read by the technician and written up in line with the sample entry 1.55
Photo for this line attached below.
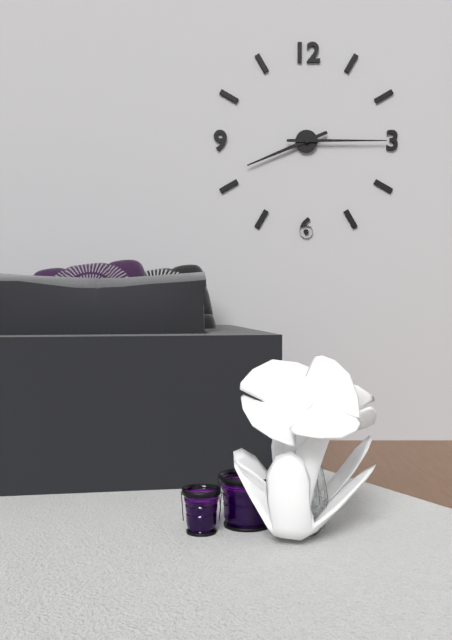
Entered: 8.15
